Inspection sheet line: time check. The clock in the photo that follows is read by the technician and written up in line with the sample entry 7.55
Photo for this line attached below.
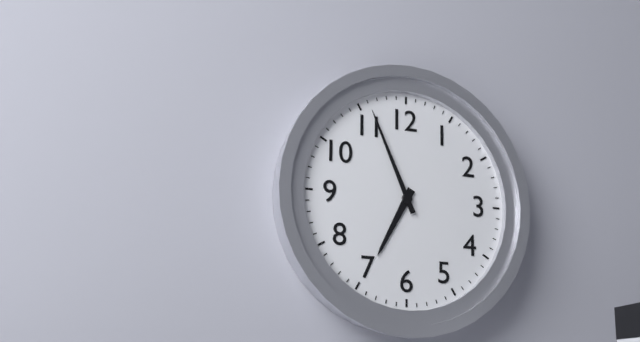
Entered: 6.56
